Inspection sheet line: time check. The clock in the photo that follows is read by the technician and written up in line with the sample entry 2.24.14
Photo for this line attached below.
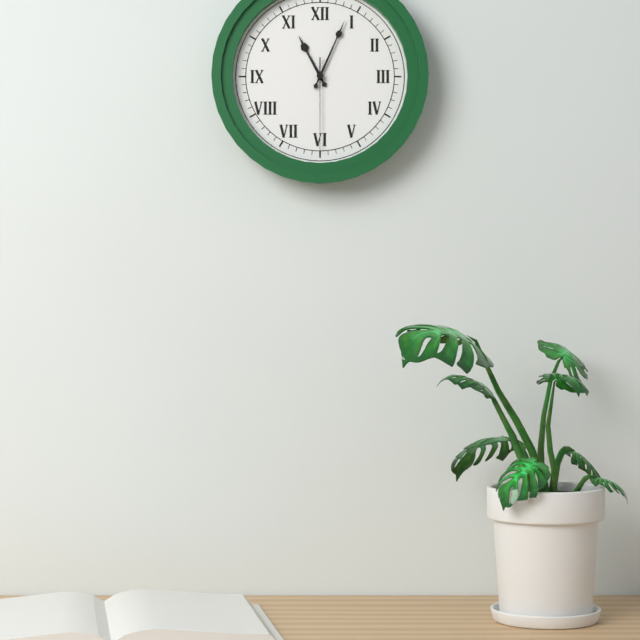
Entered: 11.04.30
